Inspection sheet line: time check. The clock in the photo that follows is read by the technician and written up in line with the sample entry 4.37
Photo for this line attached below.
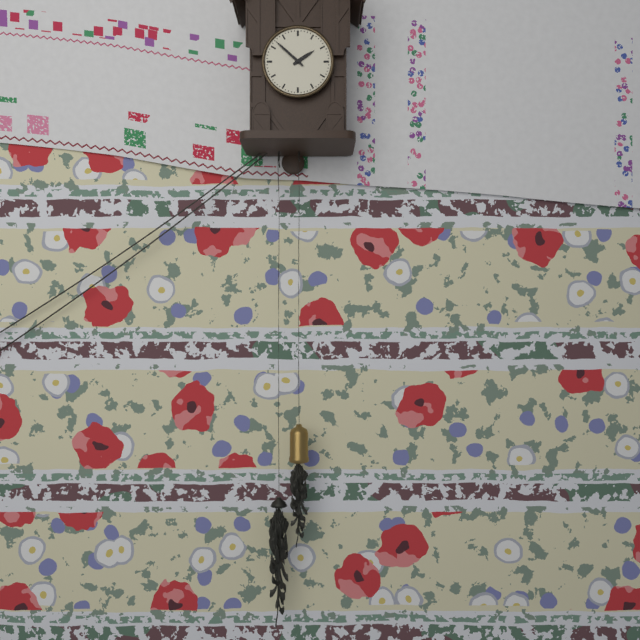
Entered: 1.52
